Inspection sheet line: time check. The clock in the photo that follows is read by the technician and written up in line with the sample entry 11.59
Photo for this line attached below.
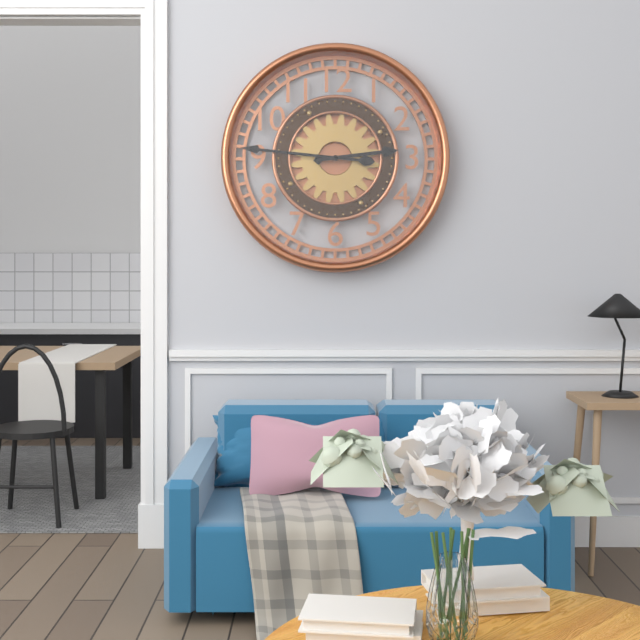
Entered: 2.46
